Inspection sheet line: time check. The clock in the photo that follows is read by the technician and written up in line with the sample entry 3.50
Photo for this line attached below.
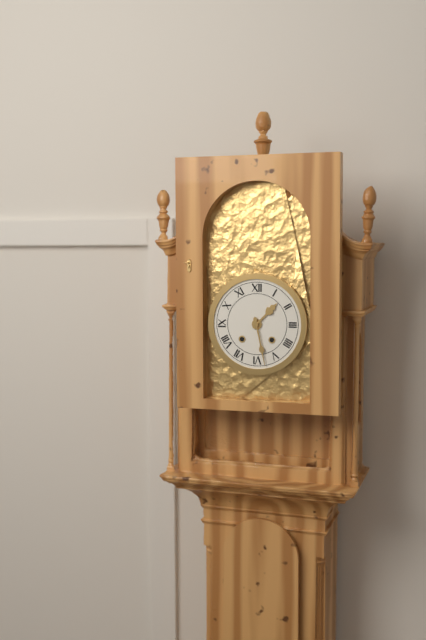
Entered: 1.28
